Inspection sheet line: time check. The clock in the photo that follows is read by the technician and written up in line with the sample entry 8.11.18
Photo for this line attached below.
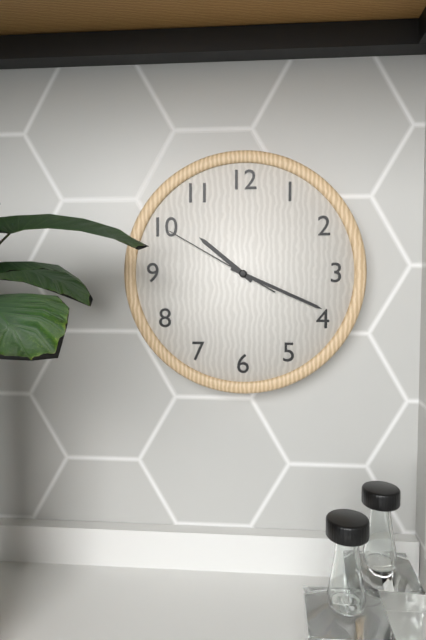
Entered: 10.19.50
